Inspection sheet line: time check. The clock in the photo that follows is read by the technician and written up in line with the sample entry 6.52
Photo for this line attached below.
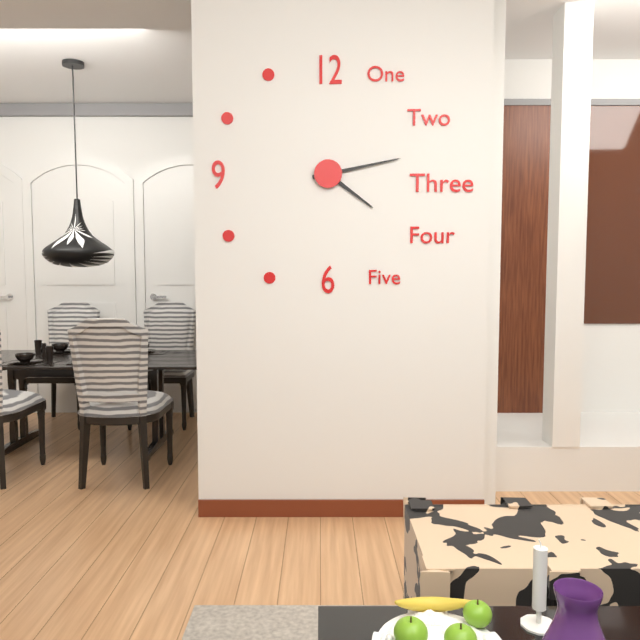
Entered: 4.13
